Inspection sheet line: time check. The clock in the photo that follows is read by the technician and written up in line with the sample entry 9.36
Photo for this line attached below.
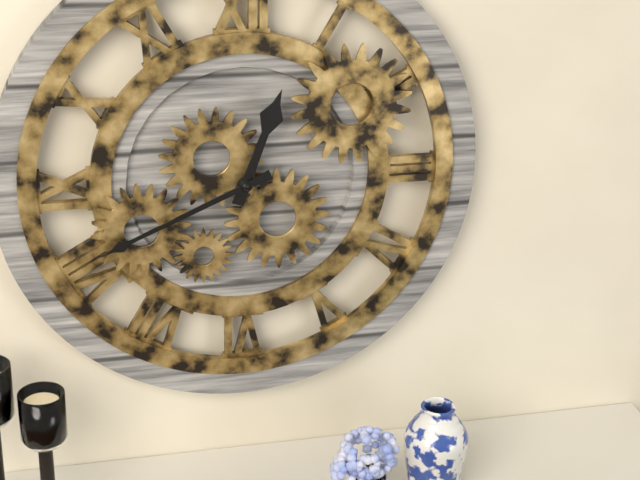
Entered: 12.41
